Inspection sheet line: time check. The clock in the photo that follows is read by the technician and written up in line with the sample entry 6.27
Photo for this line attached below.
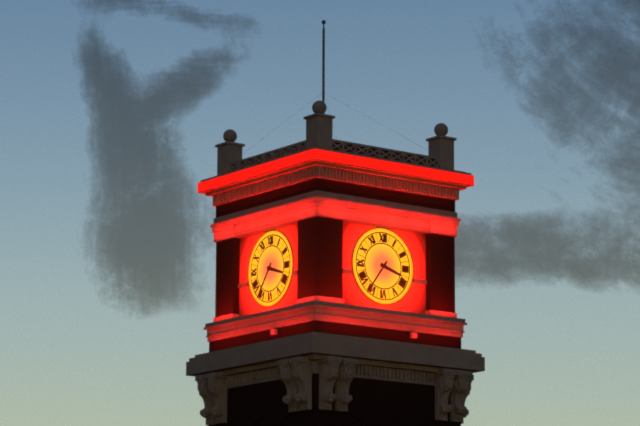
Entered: 3.36
